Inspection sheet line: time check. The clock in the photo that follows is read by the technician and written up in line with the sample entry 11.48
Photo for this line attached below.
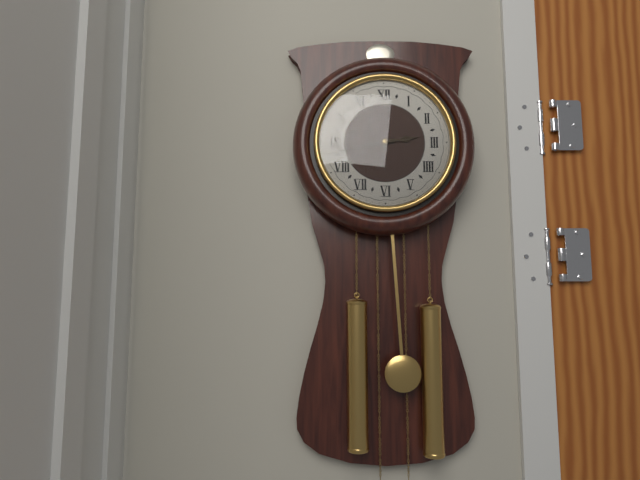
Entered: 2.43
